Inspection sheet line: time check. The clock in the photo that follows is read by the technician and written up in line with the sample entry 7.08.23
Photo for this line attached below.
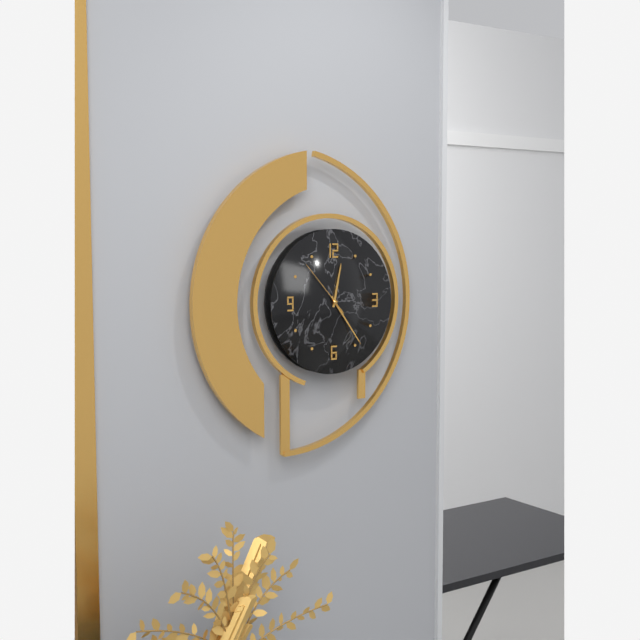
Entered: 12.24.53
